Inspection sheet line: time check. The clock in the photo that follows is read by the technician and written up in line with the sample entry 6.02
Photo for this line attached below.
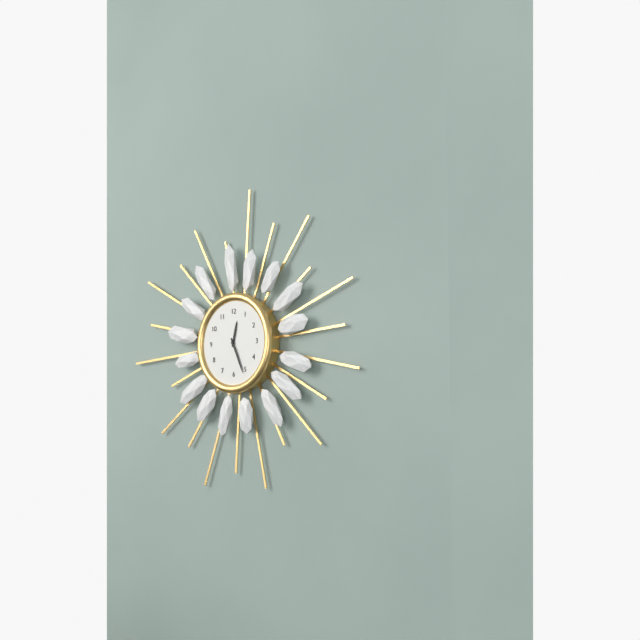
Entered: 12.26
